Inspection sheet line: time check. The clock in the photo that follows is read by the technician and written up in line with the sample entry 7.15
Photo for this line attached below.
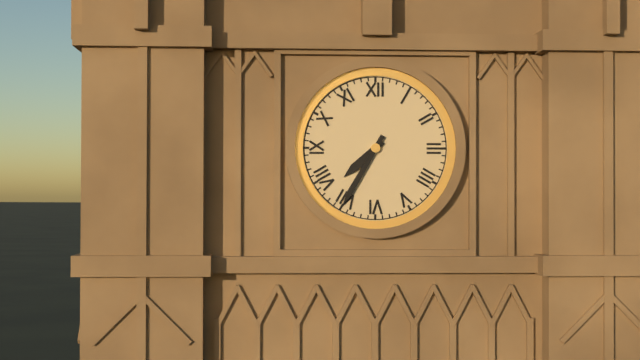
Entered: 7.35
